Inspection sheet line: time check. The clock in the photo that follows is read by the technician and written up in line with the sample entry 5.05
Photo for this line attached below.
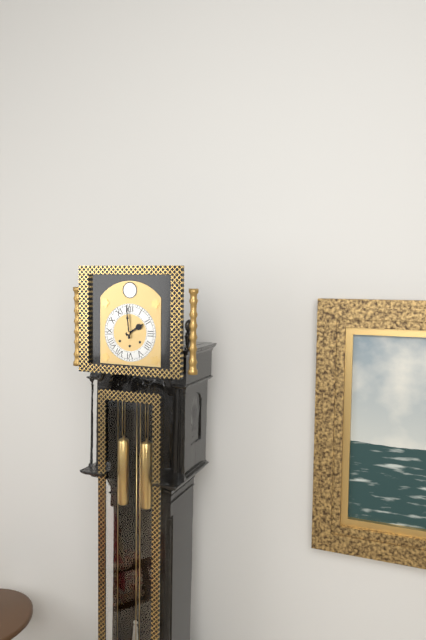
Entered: 1.59
